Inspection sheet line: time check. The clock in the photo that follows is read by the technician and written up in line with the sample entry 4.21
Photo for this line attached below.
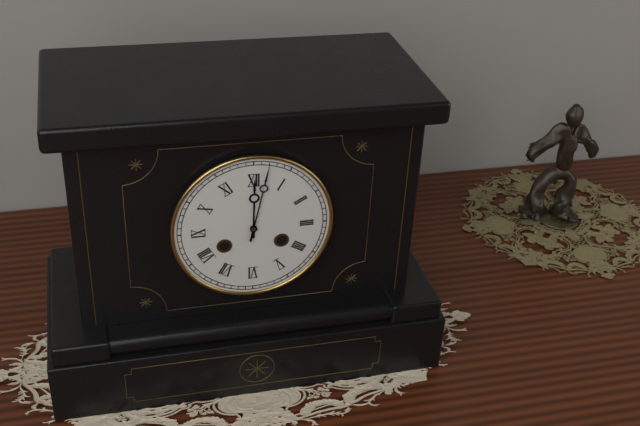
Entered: 12.02
